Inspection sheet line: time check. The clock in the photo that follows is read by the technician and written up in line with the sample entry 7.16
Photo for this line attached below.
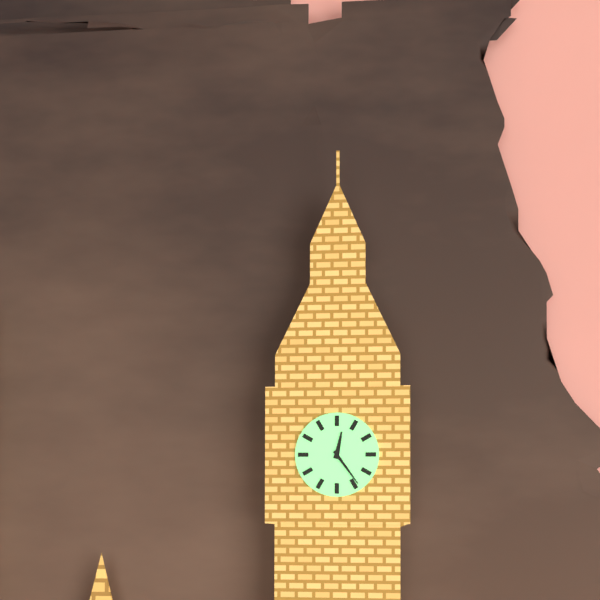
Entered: 12.24
